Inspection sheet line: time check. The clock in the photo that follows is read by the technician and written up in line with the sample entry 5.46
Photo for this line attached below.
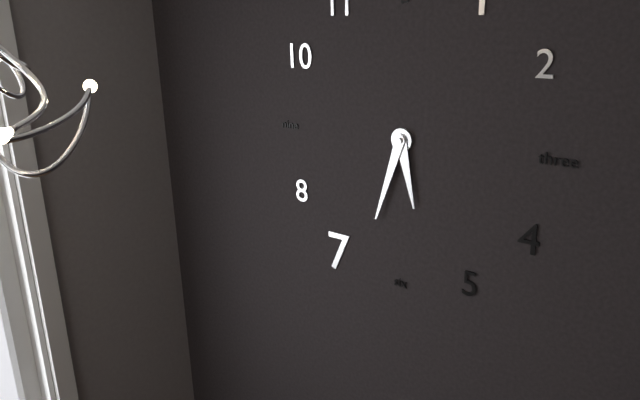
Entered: 5.33
